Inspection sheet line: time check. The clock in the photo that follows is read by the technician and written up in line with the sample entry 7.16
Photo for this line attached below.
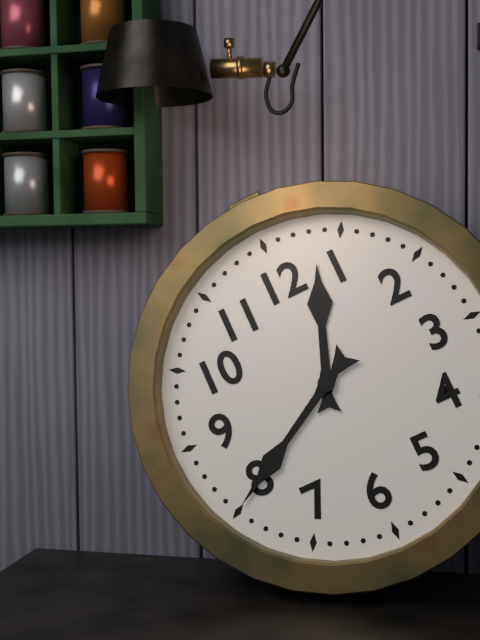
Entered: 12.40
